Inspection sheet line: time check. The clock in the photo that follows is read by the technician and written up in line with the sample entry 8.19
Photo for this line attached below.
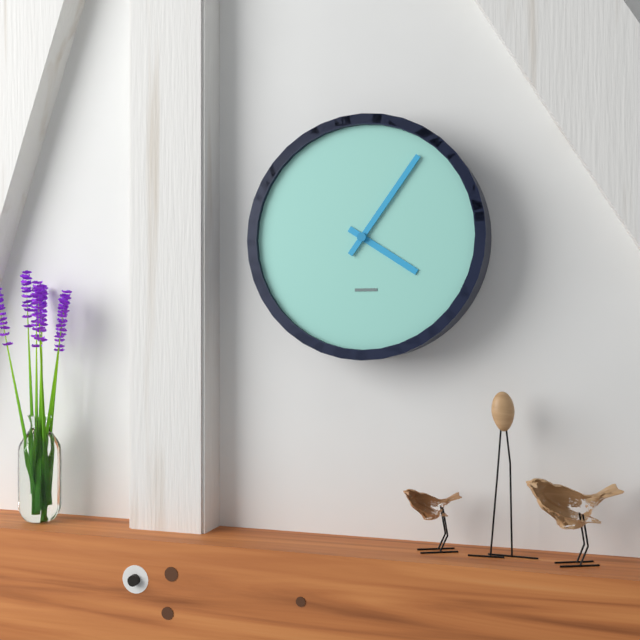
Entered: 4.06
